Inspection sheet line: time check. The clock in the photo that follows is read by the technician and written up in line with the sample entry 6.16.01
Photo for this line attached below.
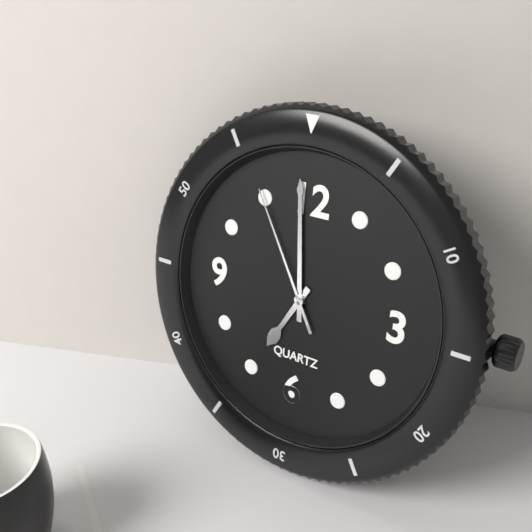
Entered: 6.59.55
